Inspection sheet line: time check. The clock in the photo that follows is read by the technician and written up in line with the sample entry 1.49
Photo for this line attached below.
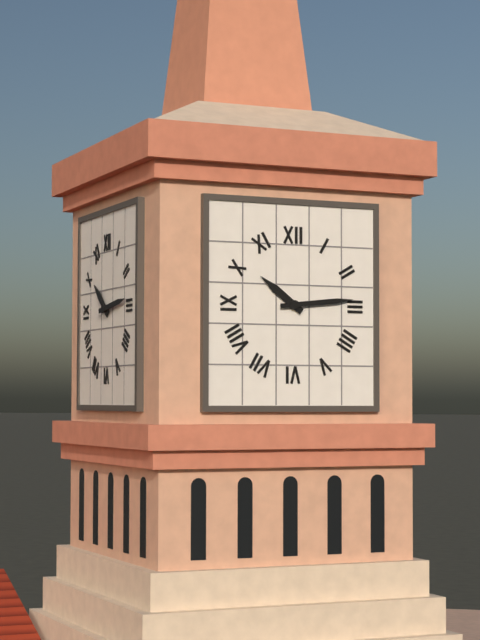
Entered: 10.14
